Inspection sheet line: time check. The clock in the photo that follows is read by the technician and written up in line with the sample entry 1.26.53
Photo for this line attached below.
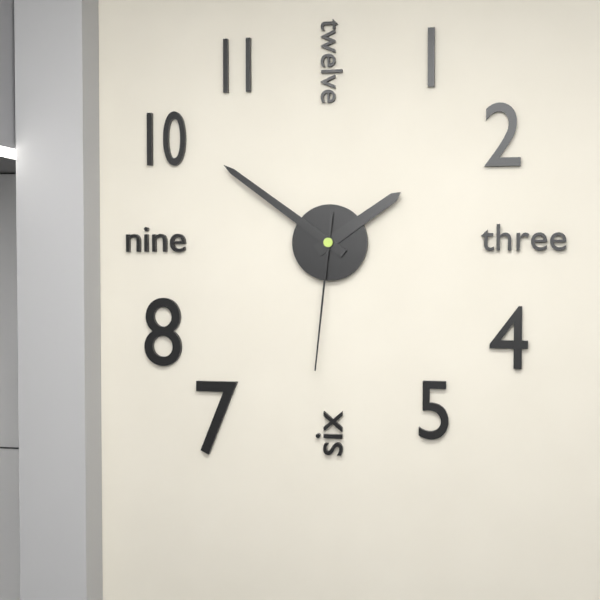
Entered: 1.51.31
